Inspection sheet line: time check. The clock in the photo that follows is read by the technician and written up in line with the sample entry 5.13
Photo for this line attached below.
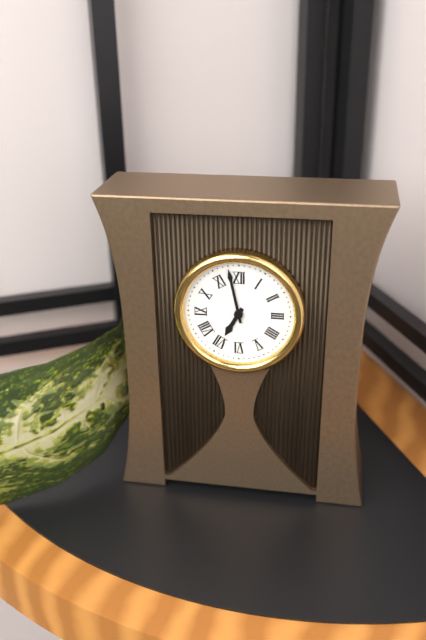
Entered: 6.58
